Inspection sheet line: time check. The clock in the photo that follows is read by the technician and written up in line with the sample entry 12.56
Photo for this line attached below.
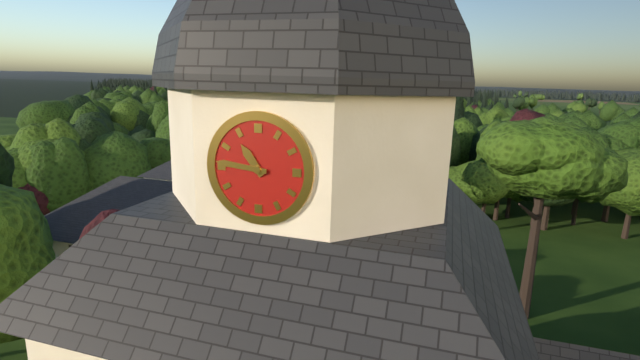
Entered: 10.46
